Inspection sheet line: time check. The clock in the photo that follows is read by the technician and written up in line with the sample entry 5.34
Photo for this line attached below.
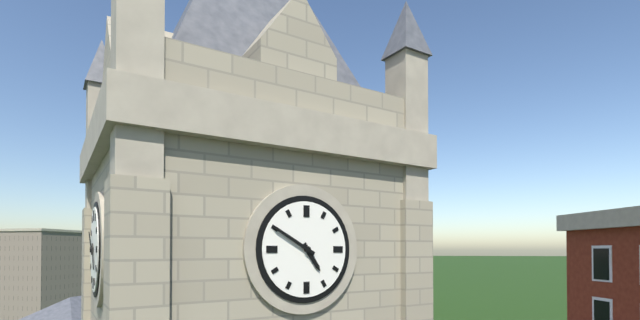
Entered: 4.50
